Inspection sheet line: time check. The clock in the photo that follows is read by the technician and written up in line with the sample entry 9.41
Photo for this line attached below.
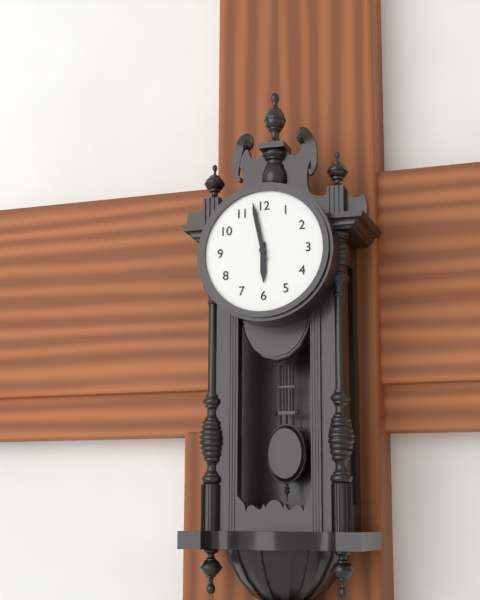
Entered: 5.58
